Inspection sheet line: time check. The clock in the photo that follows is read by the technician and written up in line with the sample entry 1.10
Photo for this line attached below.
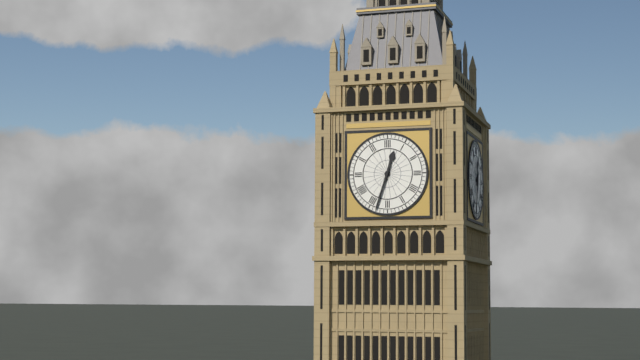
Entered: 12.33
